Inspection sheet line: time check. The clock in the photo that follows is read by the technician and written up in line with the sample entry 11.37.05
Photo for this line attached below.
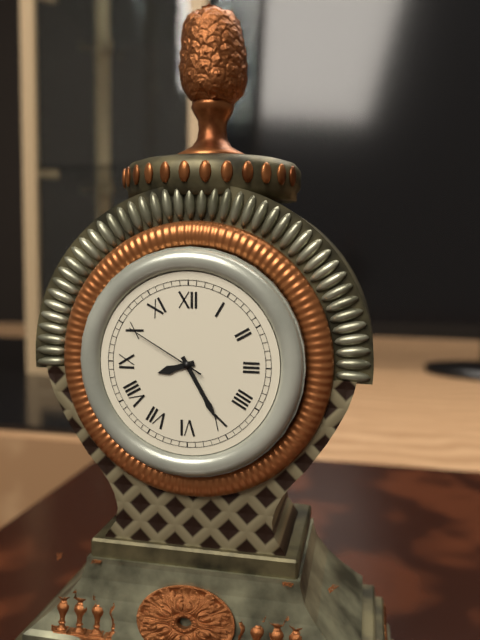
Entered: 8.25.50
